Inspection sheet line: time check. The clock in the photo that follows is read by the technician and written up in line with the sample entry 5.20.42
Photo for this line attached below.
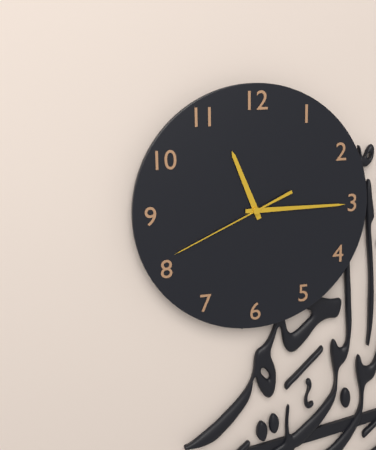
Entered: 11.15.41
